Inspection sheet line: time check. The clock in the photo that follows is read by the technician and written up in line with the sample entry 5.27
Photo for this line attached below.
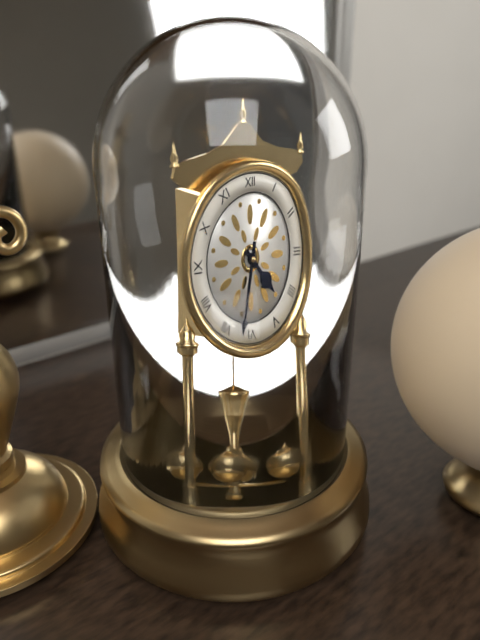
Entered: 4.32
